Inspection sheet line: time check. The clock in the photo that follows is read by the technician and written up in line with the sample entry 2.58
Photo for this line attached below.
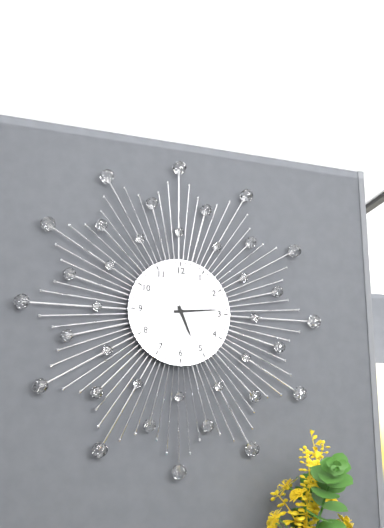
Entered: 5.14
